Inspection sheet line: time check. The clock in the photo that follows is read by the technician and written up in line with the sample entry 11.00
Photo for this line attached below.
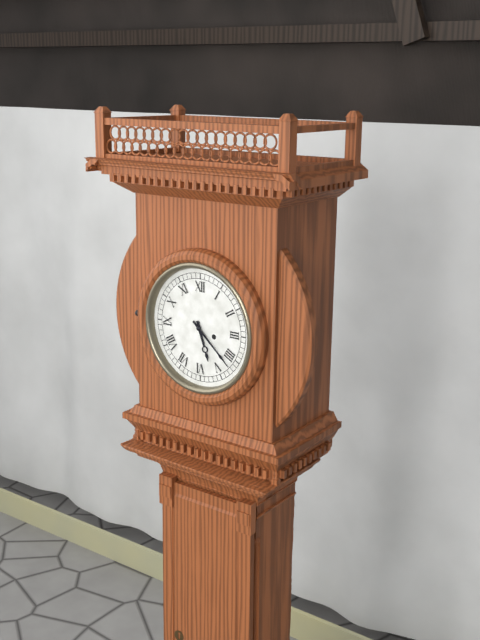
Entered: 5.22
